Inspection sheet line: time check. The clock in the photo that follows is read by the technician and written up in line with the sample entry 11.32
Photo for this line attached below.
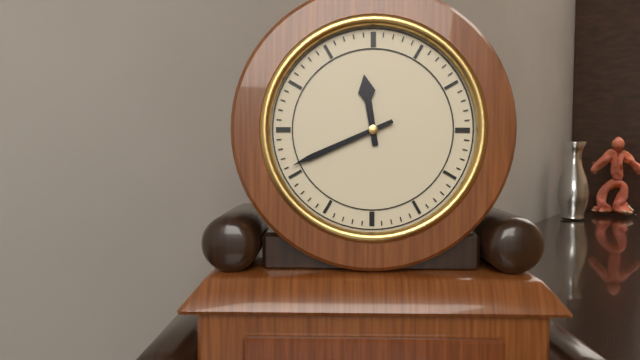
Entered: 11.41
